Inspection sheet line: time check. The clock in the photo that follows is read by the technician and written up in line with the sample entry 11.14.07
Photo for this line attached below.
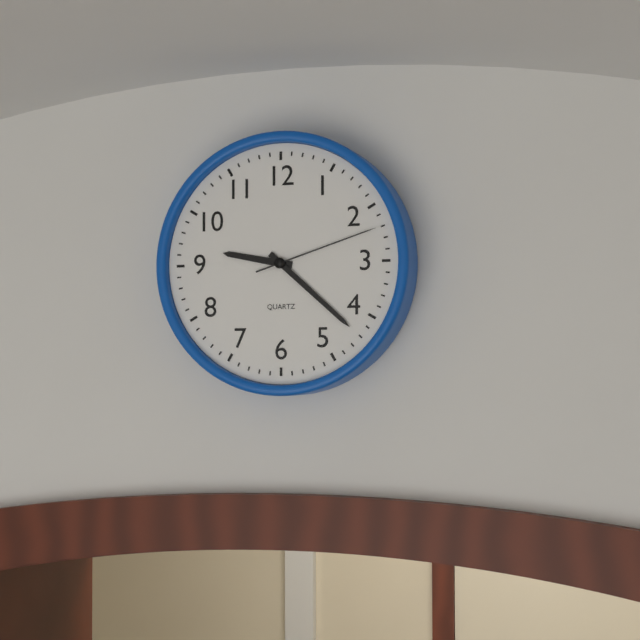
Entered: 9.22.12
